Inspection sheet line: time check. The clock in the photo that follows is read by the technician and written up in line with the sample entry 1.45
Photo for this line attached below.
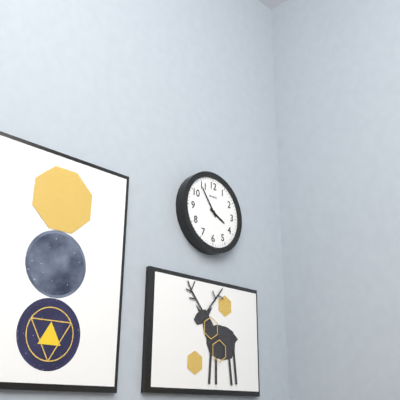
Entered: 3.54
